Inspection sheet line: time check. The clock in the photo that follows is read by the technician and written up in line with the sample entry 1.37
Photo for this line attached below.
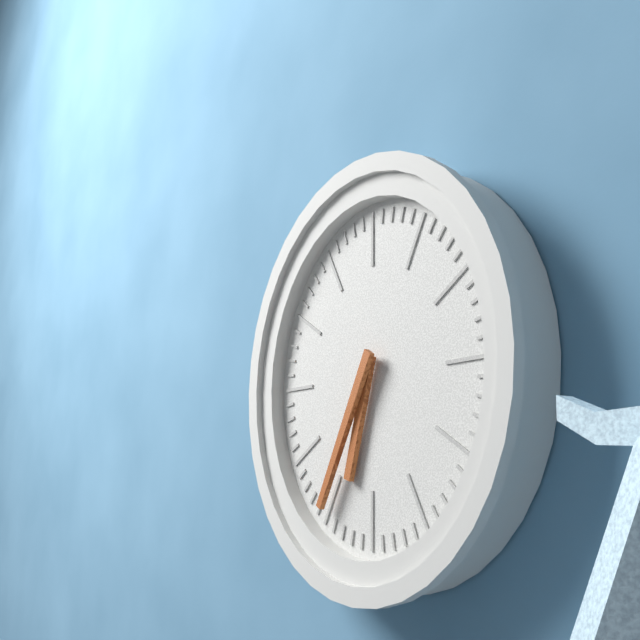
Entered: 6.35
